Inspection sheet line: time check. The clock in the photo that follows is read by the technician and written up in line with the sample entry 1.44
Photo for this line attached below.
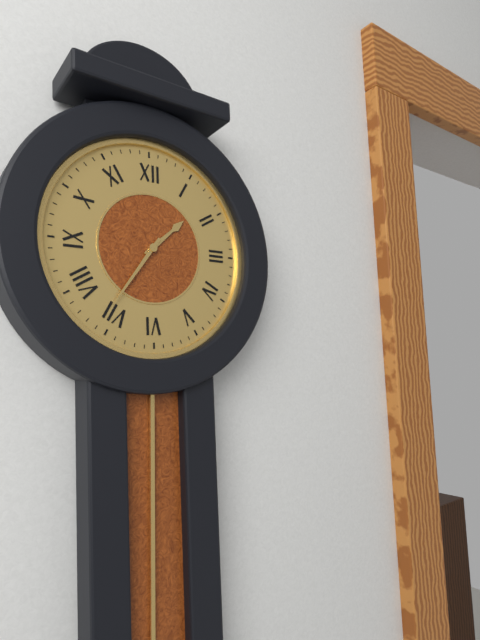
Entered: 1.36
